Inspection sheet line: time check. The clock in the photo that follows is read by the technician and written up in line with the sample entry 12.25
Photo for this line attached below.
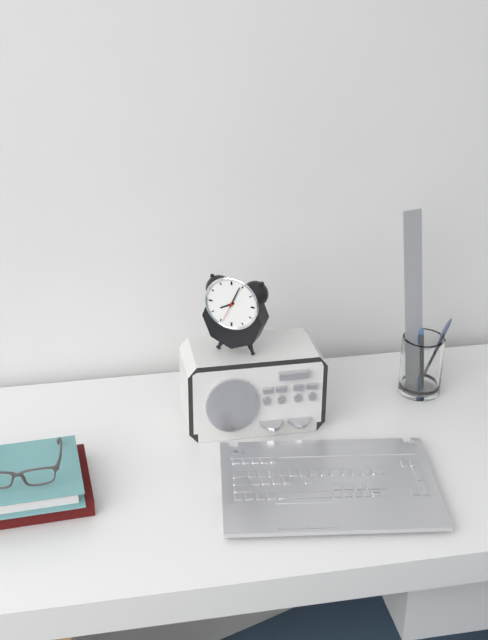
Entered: 8.04
